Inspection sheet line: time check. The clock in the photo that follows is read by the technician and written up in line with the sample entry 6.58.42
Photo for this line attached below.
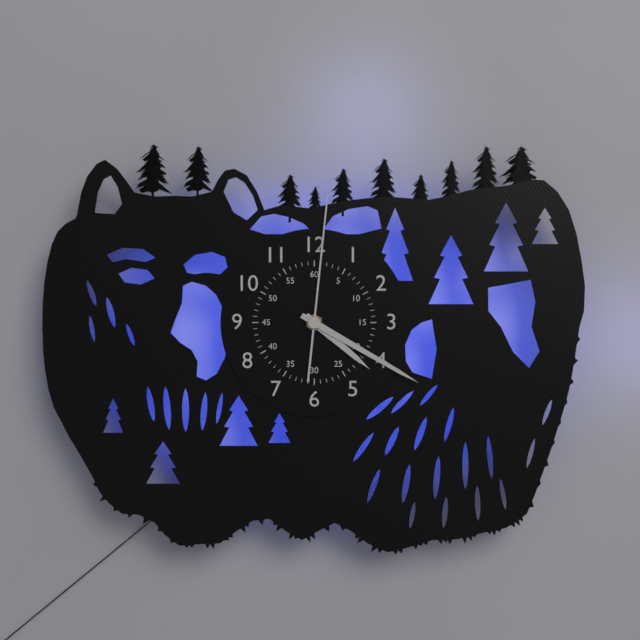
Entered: 4.20.01
